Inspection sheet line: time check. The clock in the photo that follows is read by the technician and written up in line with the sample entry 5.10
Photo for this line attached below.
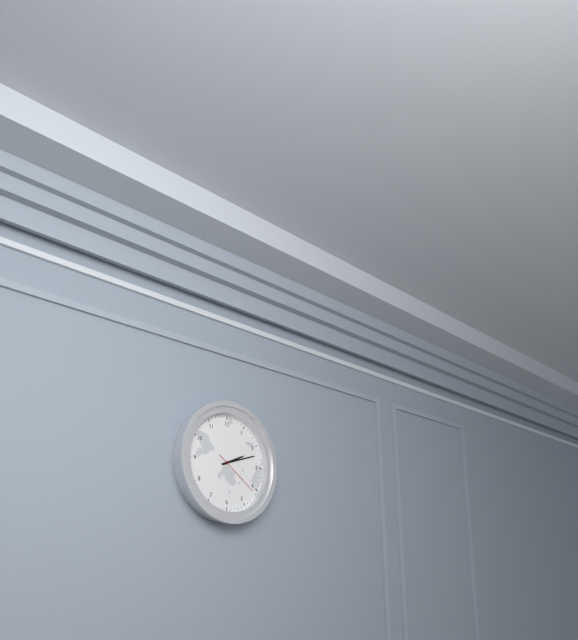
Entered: 2.12
